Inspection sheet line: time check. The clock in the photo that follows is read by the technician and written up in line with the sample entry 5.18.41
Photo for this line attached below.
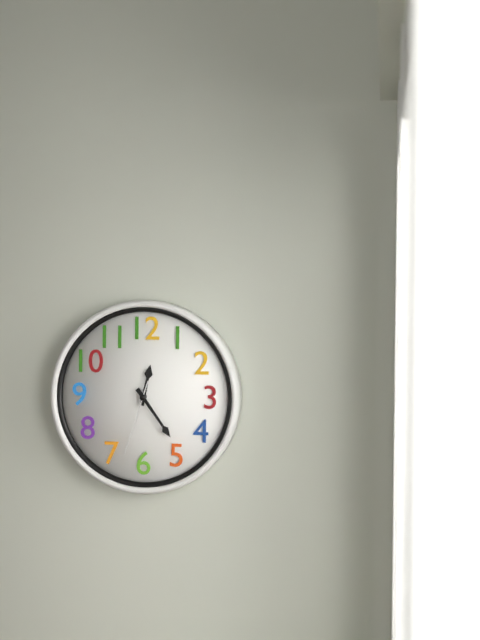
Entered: 12.24.33
